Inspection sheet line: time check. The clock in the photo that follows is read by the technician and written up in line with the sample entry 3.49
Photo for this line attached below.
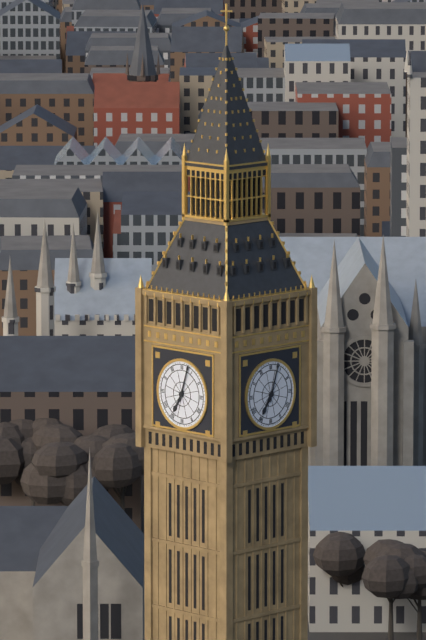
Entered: 7.03
